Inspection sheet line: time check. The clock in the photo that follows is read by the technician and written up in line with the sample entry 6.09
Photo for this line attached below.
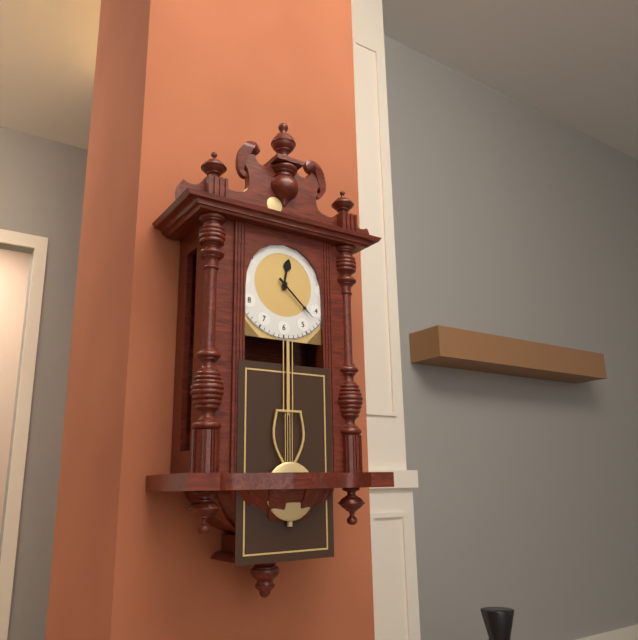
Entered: 12.22
